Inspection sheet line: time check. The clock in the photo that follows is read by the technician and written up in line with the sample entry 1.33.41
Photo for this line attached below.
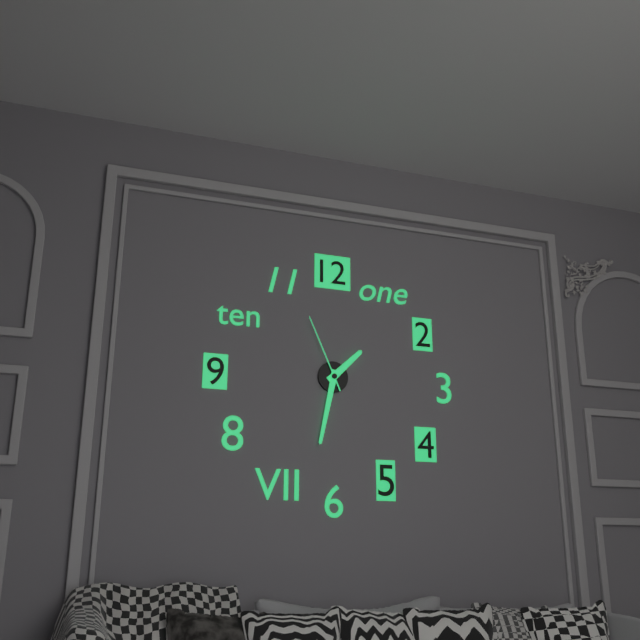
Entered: 1.32.56
